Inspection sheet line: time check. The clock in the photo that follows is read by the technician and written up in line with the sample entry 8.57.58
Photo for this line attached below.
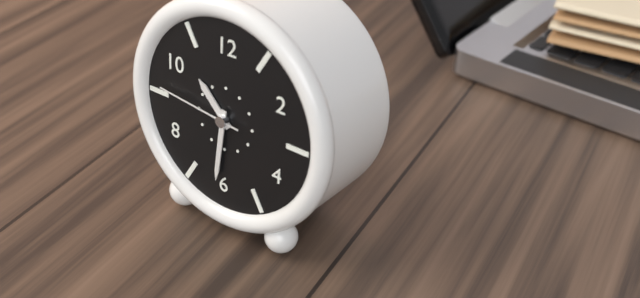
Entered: 10.31.46
